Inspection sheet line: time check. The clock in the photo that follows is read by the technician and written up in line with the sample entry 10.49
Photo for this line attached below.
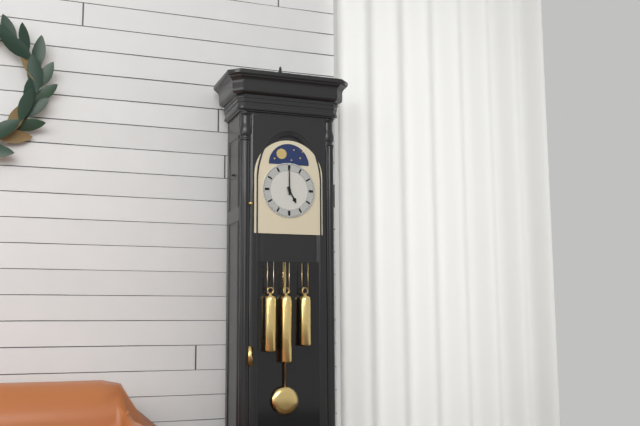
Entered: 5.00
